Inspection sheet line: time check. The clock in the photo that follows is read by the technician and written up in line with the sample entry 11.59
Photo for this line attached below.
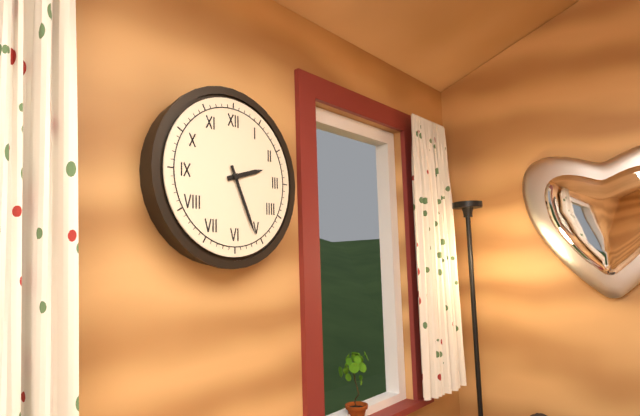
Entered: 2.26
